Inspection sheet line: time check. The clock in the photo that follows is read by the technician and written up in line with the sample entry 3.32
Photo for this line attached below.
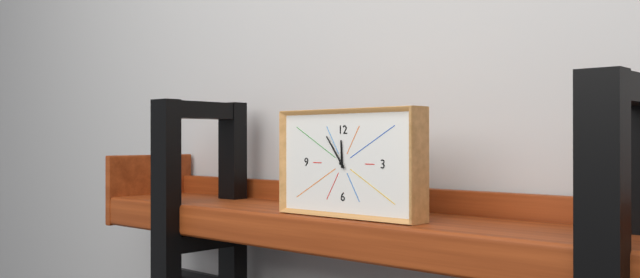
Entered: 11.54
